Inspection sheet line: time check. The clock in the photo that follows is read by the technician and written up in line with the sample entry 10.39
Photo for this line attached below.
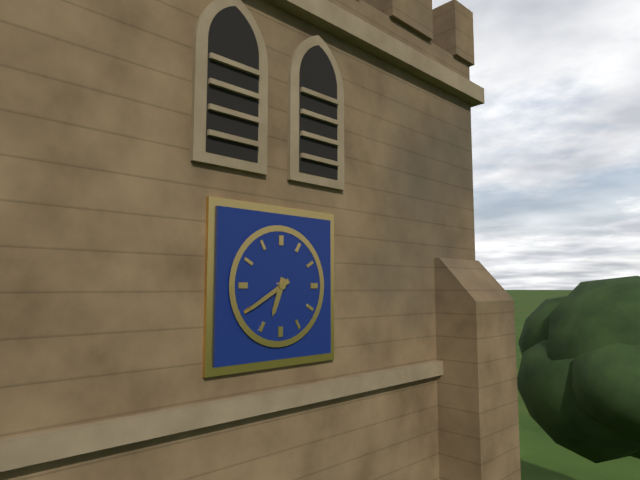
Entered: 6.40
